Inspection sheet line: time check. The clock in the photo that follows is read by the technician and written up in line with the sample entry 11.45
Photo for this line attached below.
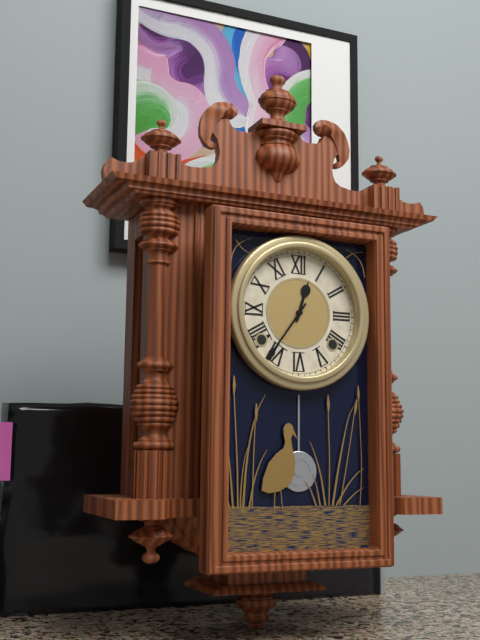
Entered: 12.36
